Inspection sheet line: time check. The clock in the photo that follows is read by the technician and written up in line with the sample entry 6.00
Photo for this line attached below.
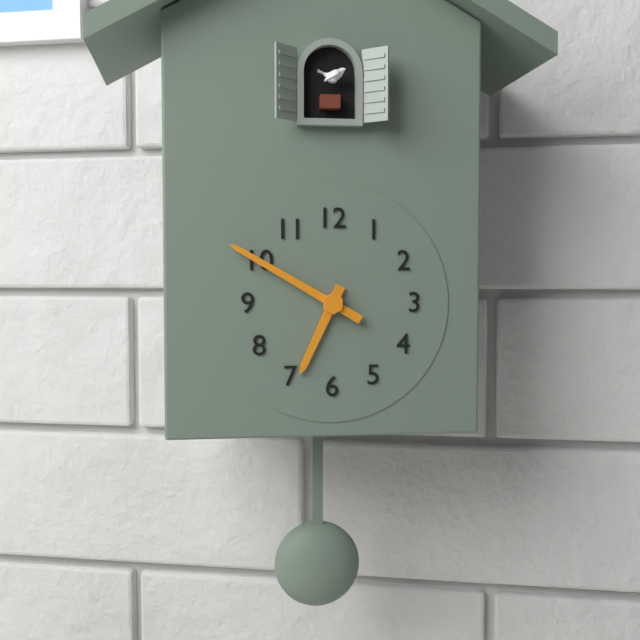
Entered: 6.50
